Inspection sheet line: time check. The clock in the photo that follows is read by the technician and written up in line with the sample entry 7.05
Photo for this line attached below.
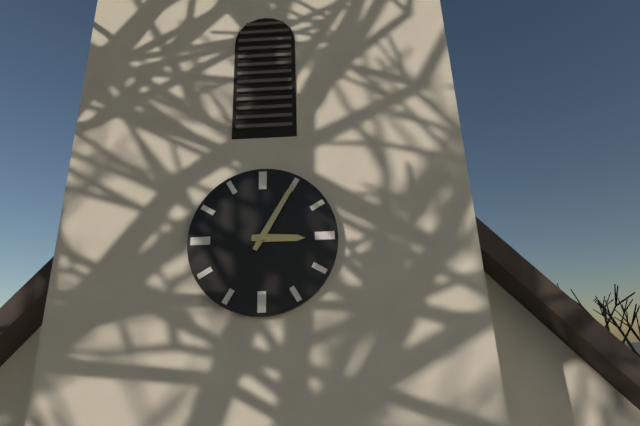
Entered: 3.05
